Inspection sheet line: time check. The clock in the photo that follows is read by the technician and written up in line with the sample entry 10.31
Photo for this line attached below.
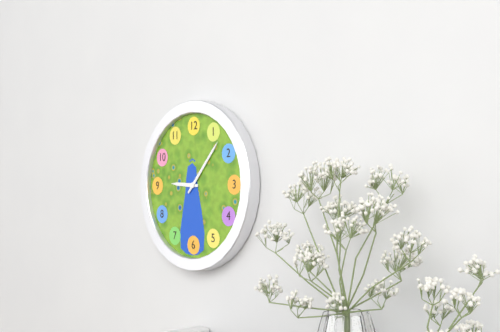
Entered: 9.07
